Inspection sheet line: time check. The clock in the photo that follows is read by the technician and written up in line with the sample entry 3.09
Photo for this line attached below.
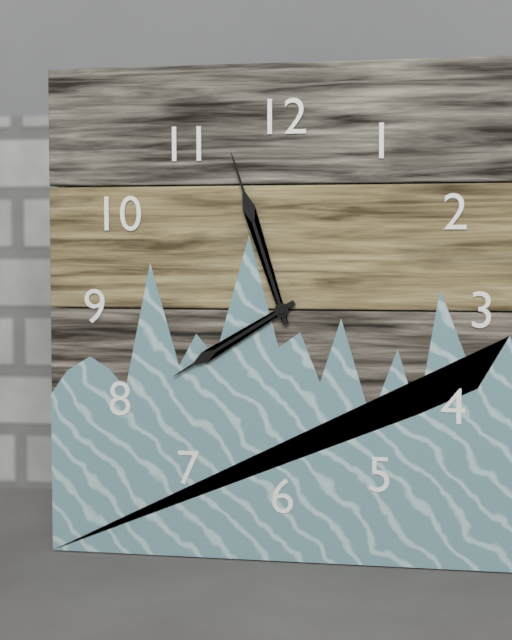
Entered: 7.57
